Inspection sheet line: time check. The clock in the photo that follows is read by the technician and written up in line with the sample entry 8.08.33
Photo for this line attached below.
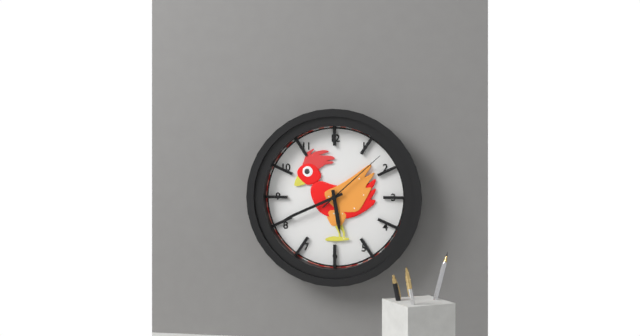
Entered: 5.41.08
